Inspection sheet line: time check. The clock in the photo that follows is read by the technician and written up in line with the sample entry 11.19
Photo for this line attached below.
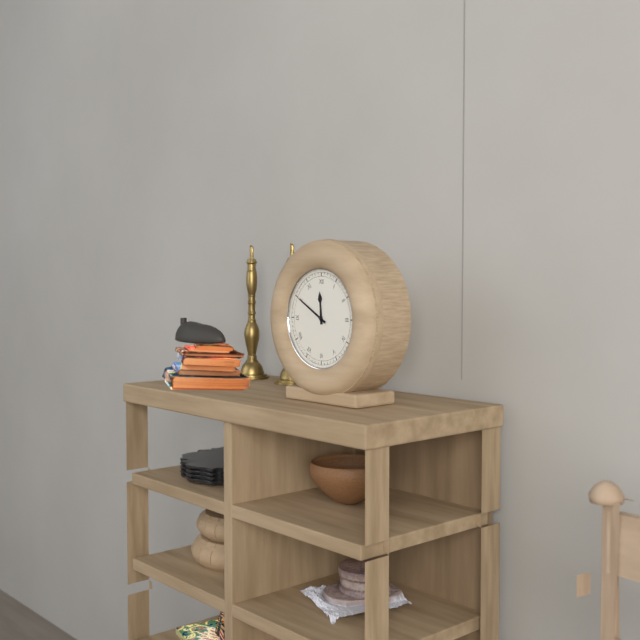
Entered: 11.50
